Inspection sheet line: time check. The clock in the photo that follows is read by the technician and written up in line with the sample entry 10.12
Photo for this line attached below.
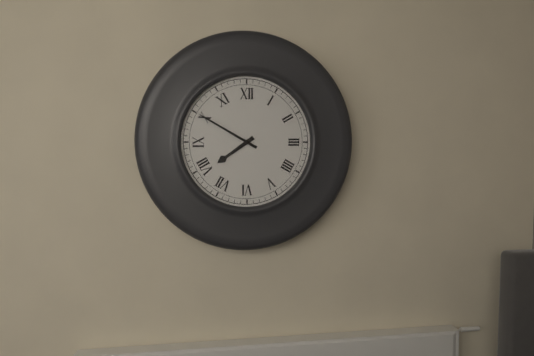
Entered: 7.50
